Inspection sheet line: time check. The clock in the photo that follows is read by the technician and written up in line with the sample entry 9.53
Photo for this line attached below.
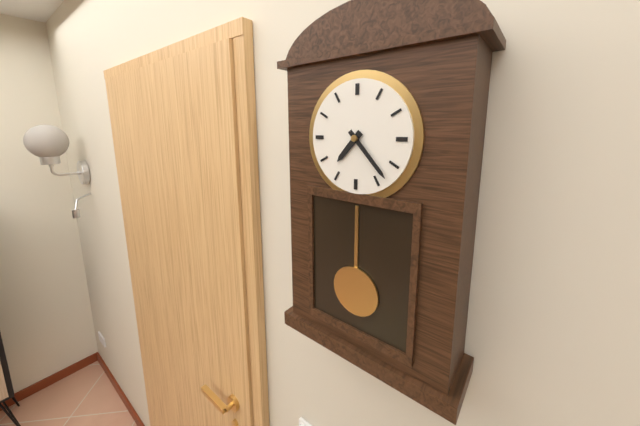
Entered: 7.23
